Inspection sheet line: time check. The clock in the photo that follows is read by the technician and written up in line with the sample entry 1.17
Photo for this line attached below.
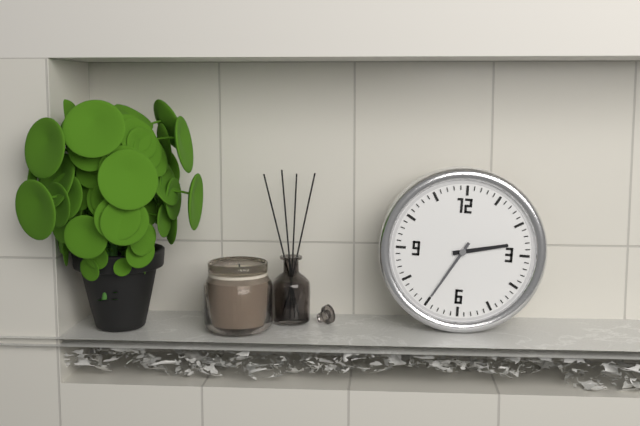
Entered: 2.35
